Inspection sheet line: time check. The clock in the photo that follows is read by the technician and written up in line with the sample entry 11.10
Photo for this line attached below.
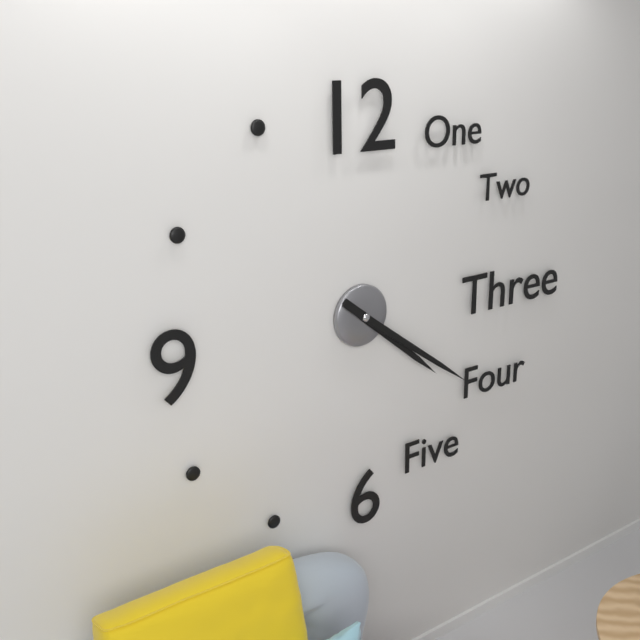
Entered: 4.21
